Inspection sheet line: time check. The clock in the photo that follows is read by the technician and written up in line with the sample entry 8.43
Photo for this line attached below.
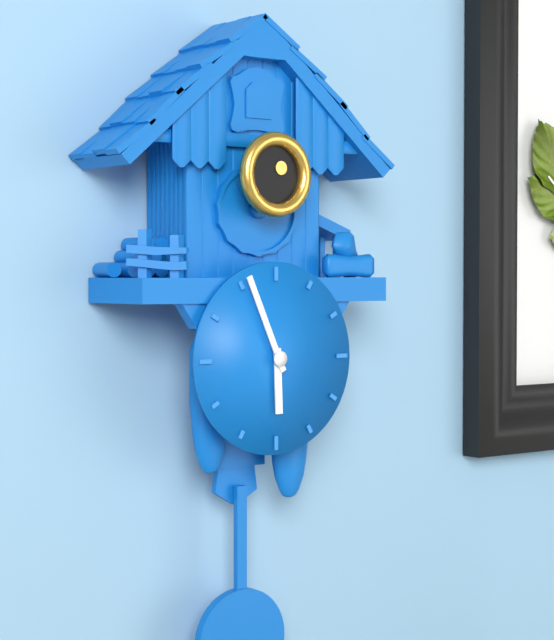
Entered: 5.56
